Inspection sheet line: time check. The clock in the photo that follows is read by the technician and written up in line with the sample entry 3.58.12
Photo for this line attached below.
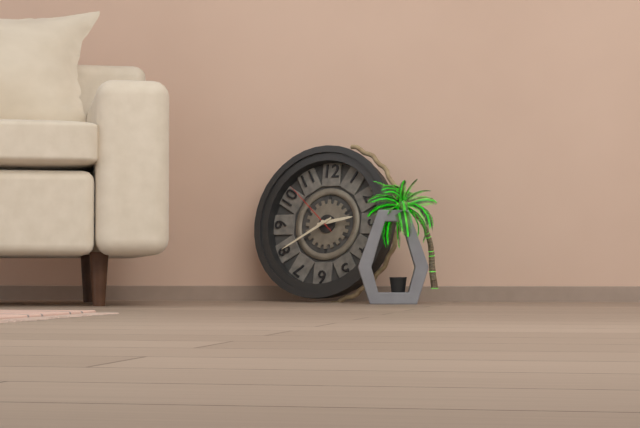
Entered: 2.40.52
